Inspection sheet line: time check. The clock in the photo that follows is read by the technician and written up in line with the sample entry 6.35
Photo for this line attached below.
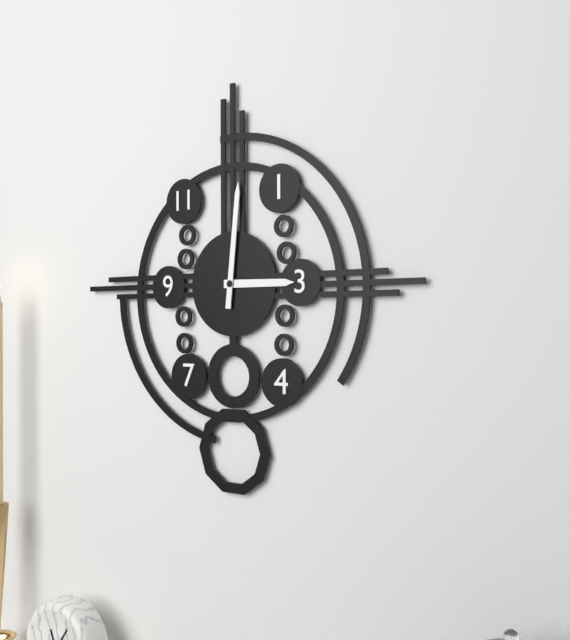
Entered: 3.01
